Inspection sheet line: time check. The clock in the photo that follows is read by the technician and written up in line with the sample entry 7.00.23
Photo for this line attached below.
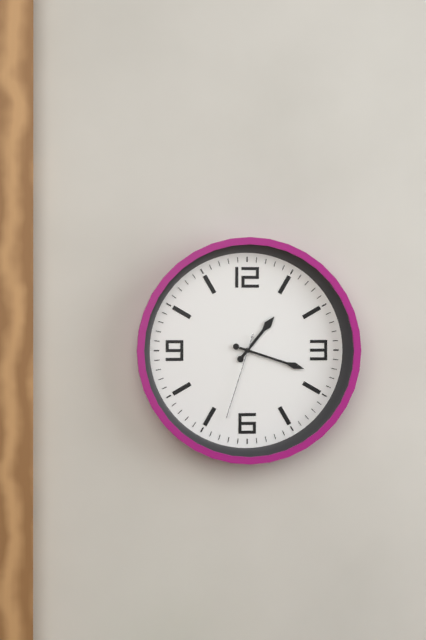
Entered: 1.18.33
